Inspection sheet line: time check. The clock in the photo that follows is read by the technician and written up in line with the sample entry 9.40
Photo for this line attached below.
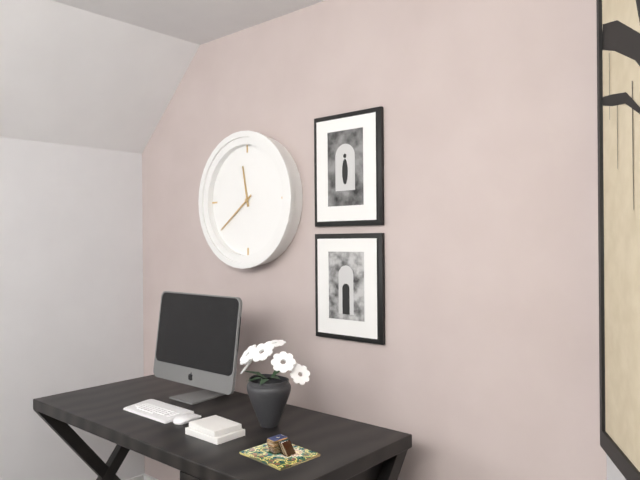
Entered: 11.39
